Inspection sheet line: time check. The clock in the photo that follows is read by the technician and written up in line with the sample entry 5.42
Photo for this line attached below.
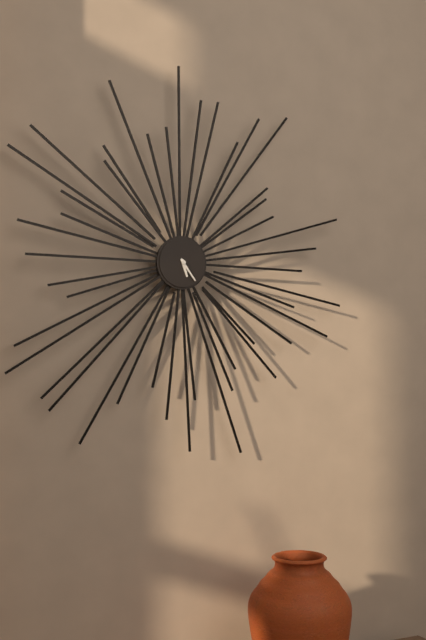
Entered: 5.24
